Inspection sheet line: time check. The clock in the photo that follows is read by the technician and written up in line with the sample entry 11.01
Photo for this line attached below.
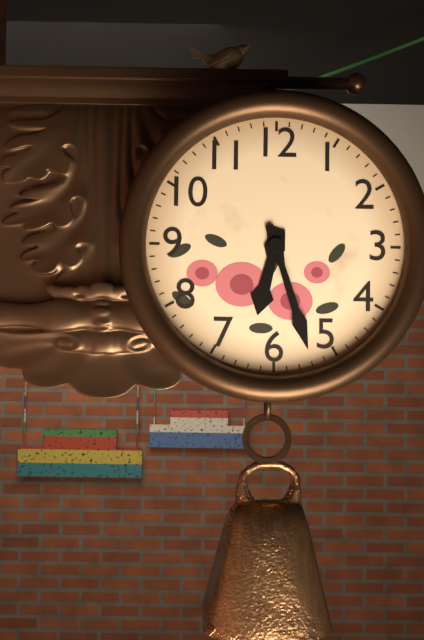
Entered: 6.27
